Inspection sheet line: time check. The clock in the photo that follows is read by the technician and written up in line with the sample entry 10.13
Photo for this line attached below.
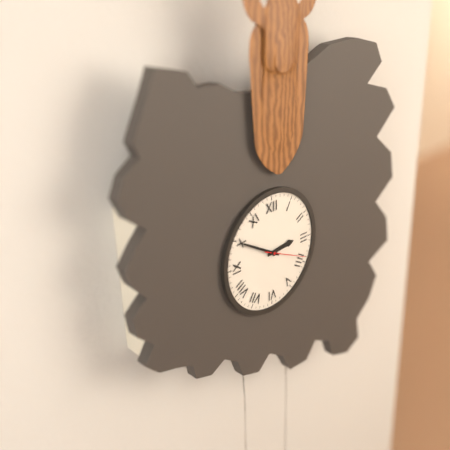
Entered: 2.50
